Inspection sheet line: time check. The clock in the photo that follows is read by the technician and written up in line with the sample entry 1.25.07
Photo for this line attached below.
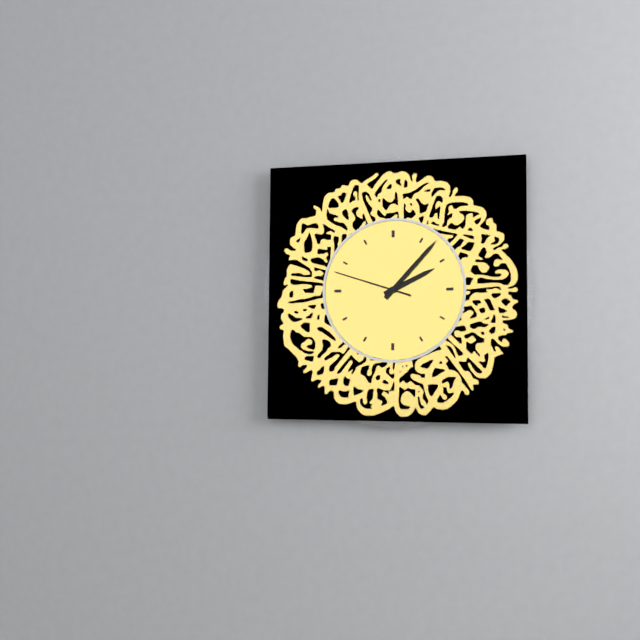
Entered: 2.07.48
